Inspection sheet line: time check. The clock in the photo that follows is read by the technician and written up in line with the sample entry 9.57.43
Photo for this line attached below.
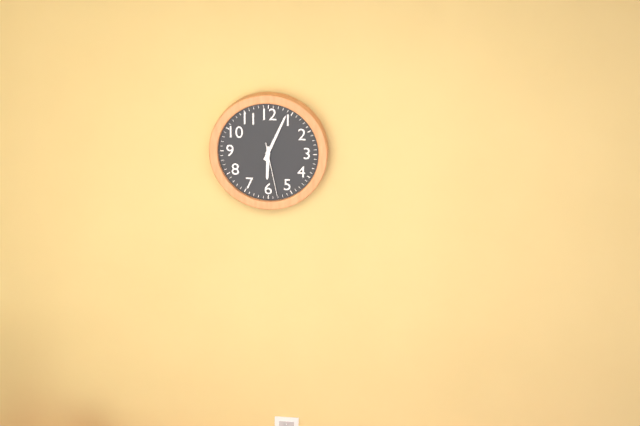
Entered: 6.04.28
